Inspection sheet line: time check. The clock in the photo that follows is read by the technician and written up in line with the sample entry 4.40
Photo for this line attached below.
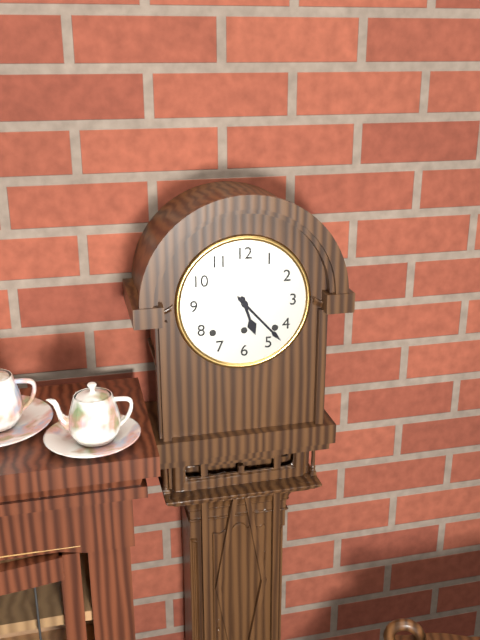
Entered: 5.23
